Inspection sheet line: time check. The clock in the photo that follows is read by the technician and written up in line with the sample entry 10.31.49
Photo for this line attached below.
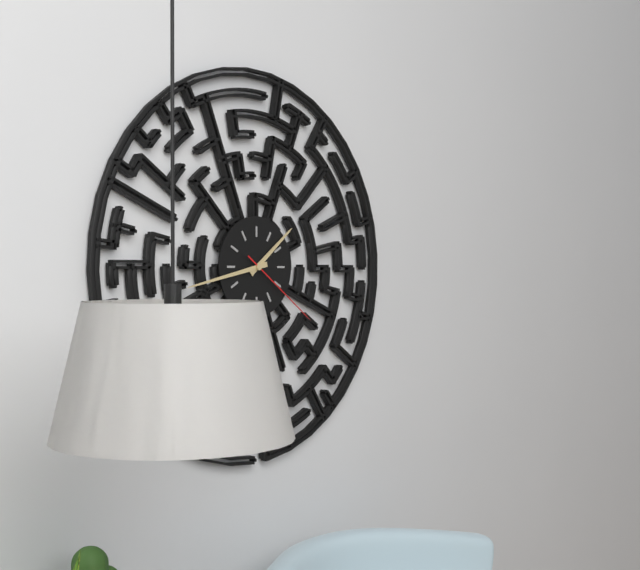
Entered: 1.43.21
